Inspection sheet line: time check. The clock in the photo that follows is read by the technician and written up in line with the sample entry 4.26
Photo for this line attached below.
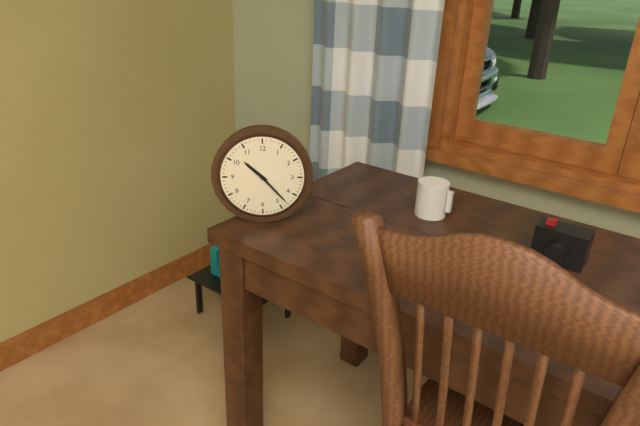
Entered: 10.23
